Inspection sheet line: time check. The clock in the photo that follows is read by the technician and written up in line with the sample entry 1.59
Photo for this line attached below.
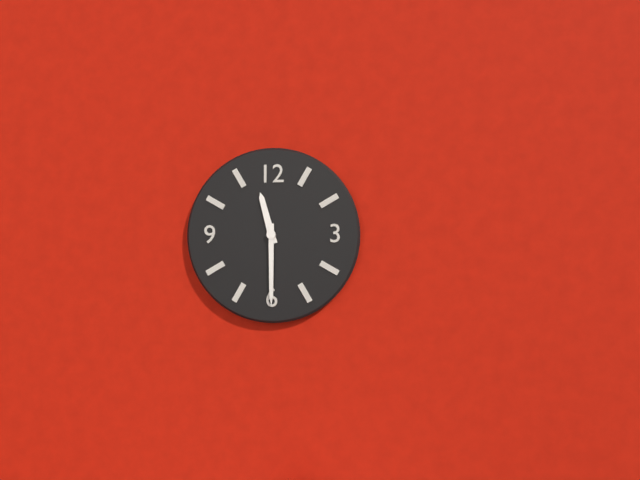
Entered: 11.30
